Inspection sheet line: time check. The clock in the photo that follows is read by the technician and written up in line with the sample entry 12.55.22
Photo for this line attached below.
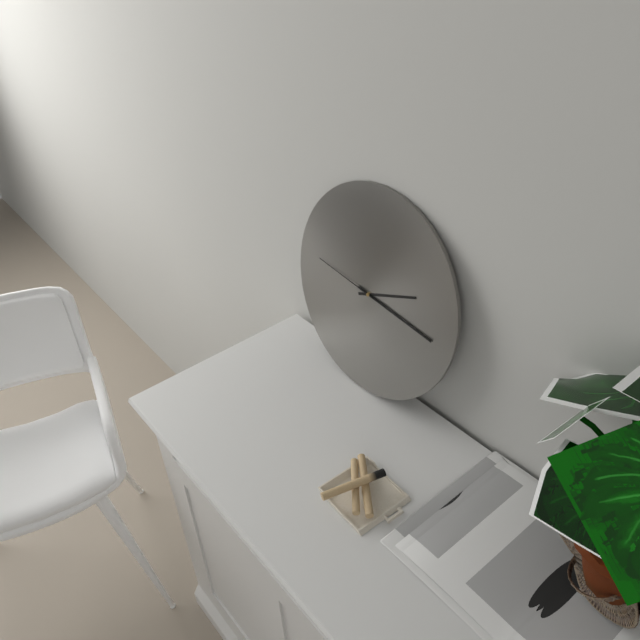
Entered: 2.16.46
